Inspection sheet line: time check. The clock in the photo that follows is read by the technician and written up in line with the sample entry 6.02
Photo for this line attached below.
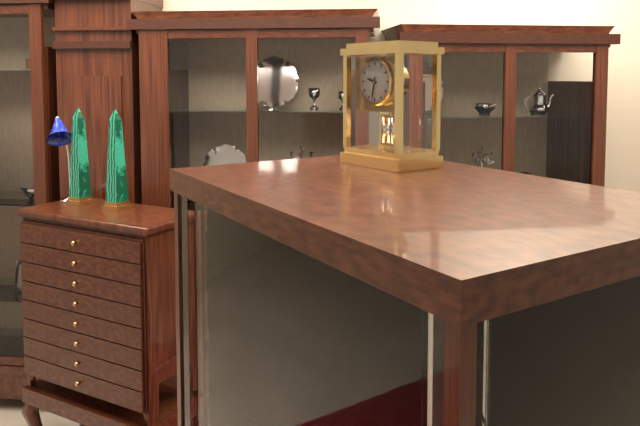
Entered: 9.32
